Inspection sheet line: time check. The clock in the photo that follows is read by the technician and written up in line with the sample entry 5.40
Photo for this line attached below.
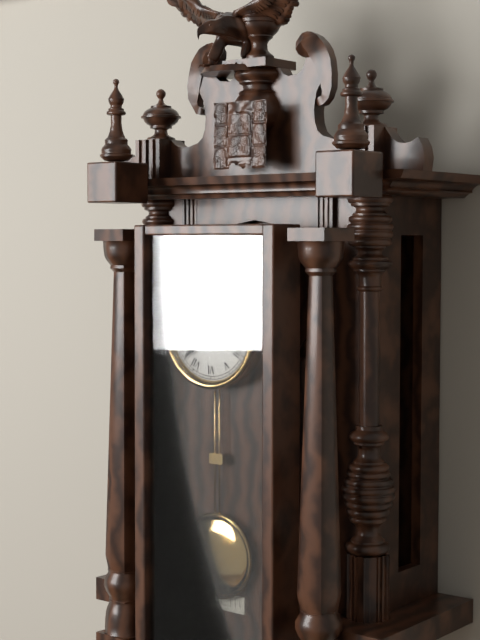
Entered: 10.38
